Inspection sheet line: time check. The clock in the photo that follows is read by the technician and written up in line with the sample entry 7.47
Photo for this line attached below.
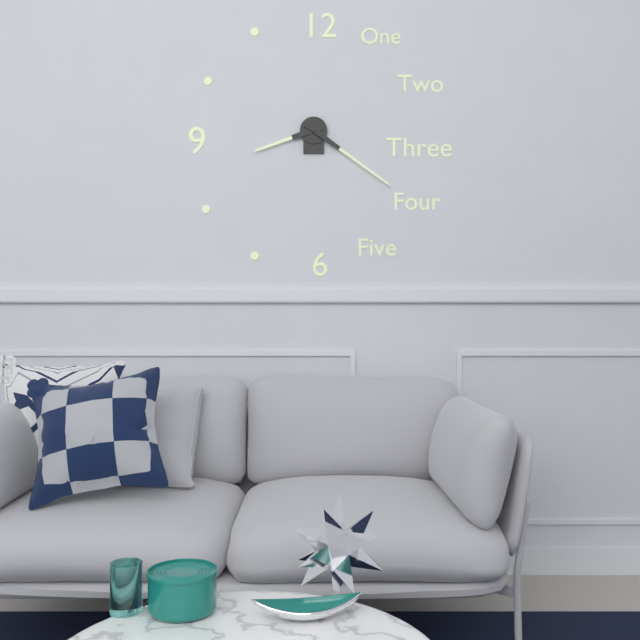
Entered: 8.21
